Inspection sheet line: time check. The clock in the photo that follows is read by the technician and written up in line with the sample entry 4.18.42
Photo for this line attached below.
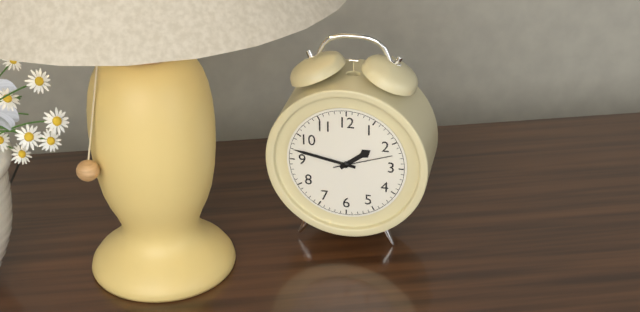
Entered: 1.47.12
